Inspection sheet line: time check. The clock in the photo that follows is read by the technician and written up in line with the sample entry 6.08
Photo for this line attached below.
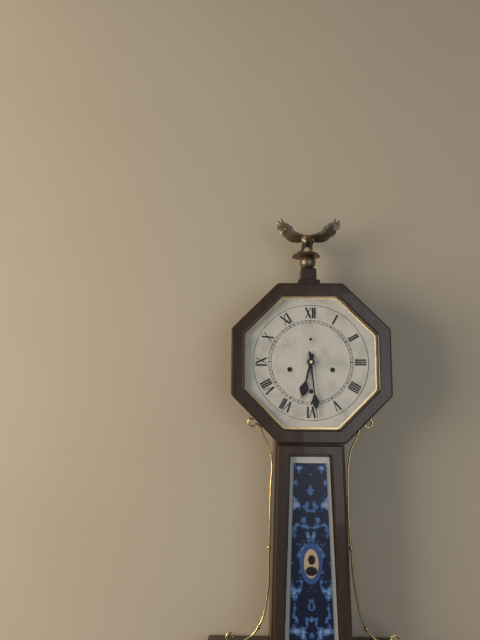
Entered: 6.29
